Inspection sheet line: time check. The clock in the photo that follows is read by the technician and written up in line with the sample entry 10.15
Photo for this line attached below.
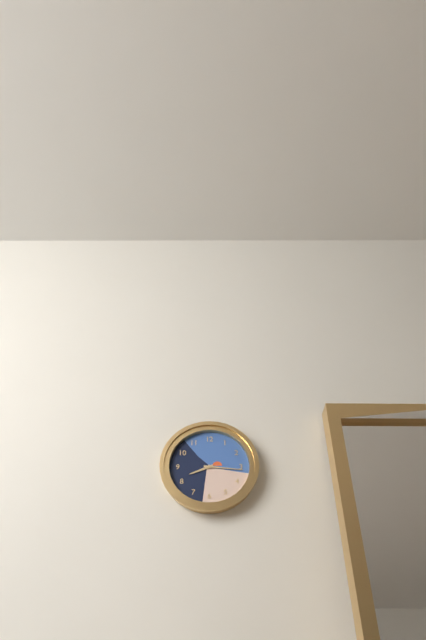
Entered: 8.16
